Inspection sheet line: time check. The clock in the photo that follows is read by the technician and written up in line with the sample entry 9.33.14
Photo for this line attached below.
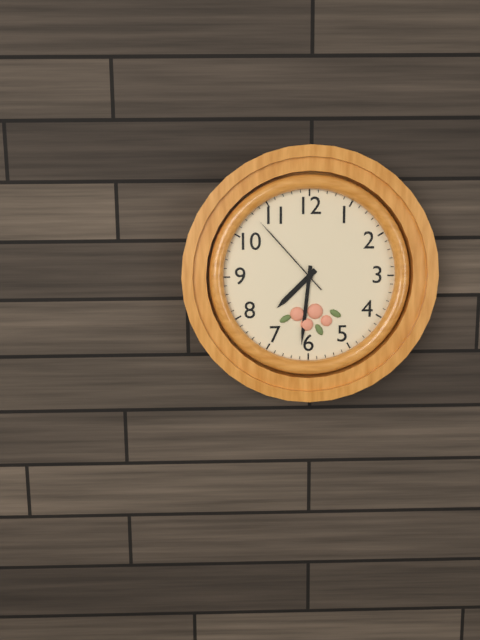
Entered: 7.31.53
